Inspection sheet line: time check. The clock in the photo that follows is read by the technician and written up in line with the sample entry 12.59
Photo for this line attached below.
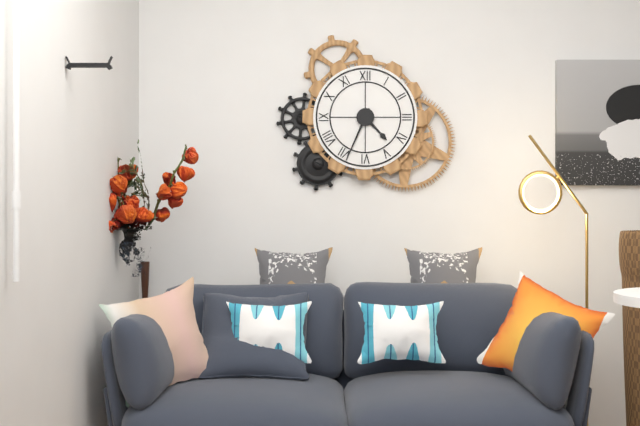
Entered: 4.34
